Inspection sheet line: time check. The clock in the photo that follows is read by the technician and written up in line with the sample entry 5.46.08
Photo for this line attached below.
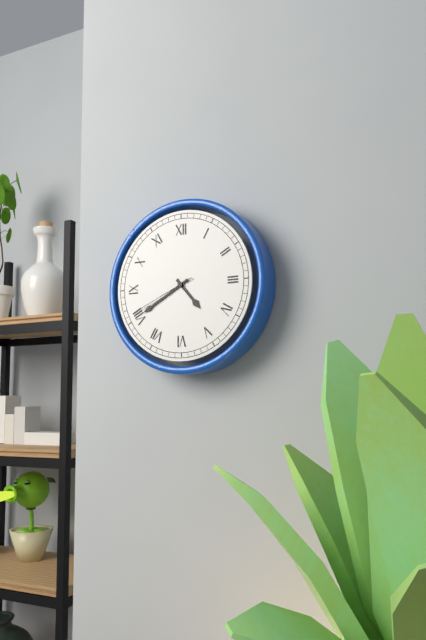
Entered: 4.40.41
